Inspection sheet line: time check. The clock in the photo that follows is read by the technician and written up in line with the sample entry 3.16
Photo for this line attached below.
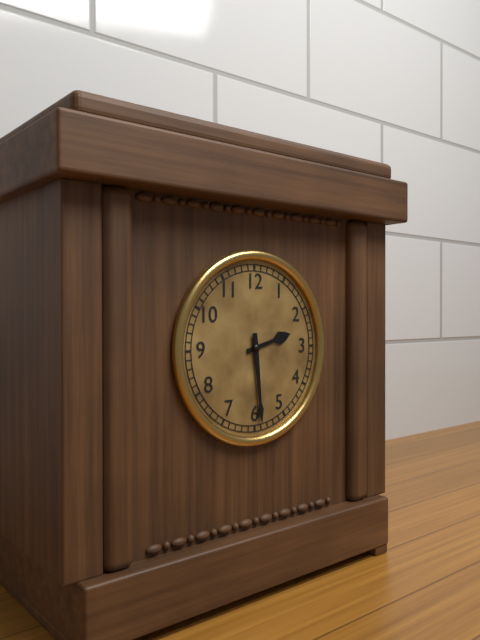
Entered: 2.29
